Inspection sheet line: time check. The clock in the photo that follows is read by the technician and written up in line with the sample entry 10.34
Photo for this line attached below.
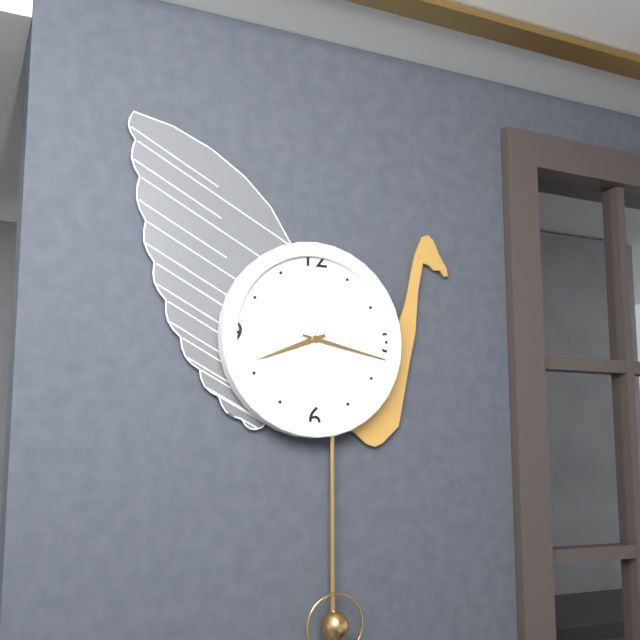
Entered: 8.17
